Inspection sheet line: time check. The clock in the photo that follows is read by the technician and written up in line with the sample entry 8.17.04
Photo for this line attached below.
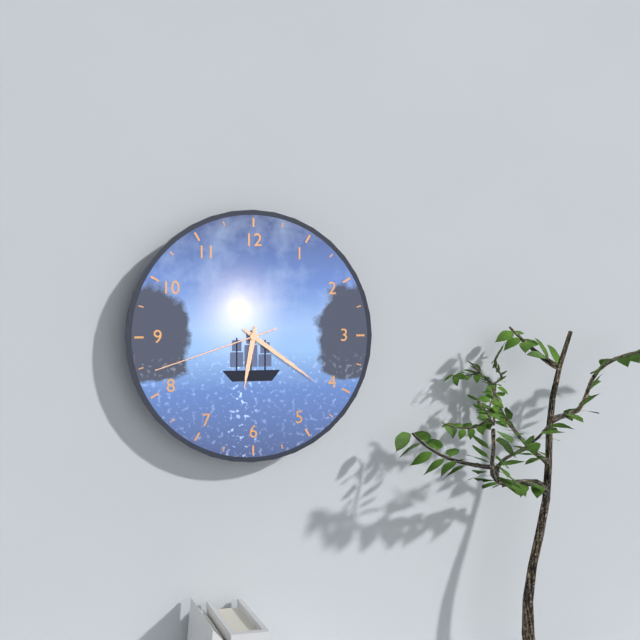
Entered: 6.21.42
